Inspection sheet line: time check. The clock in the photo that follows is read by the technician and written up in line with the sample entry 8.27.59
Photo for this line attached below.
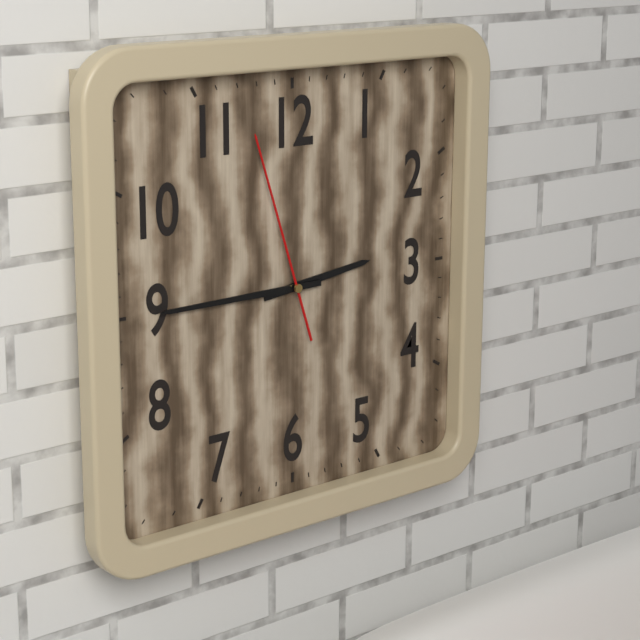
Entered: 2.45.57
